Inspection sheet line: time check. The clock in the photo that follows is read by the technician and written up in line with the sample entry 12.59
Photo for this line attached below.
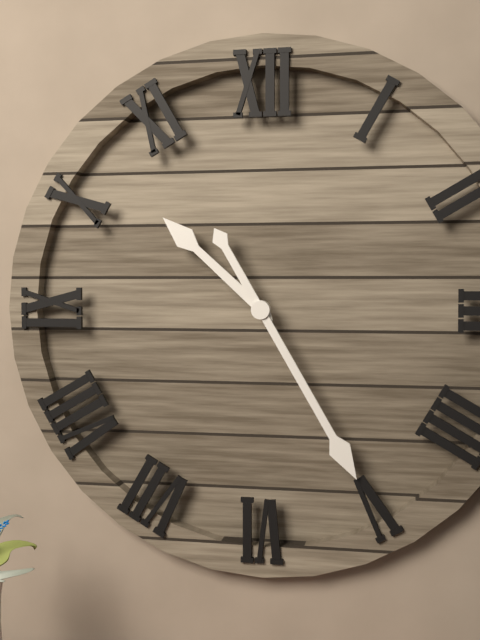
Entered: 10.25
